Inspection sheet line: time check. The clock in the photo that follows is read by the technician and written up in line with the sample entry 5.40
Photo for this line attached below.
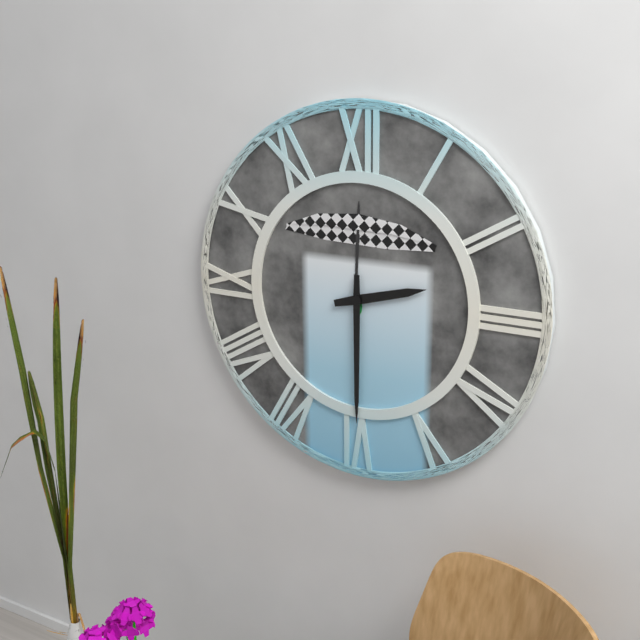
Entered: 2.30
